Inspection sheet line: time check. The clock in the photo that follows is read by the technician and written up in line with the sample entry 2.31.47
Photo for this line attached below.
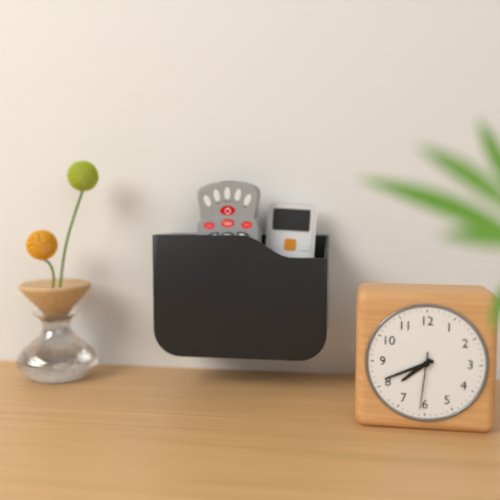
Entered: 7.41.31
